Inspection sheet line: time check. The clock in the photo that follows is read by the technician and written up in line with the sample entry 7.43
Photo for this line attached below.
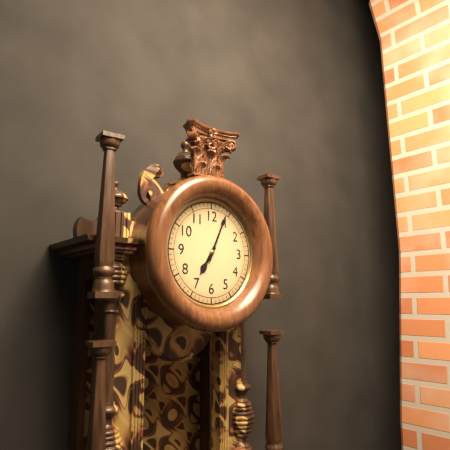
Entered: 7.04
